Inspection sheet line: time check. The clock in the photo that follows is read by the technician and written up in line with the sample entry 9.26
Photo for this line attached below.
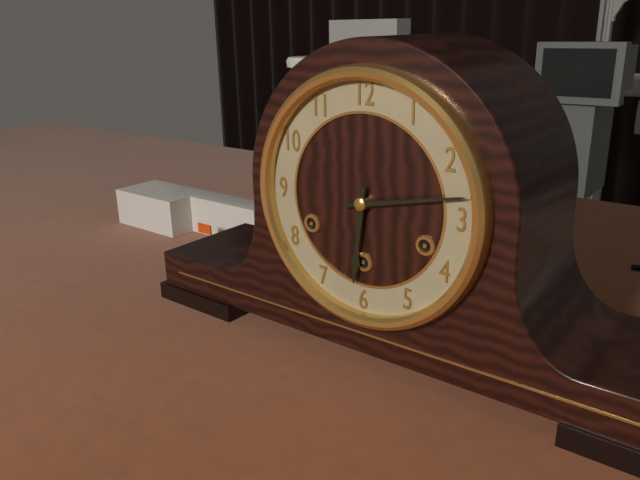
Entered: 6.13
